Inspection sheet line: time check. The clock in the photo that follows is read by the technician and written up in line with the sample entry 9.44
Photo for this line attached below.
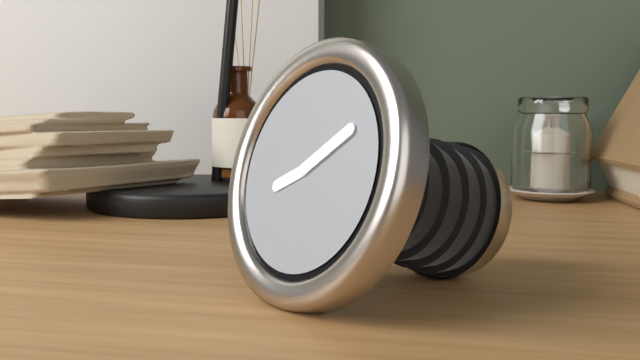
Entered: 8.09
